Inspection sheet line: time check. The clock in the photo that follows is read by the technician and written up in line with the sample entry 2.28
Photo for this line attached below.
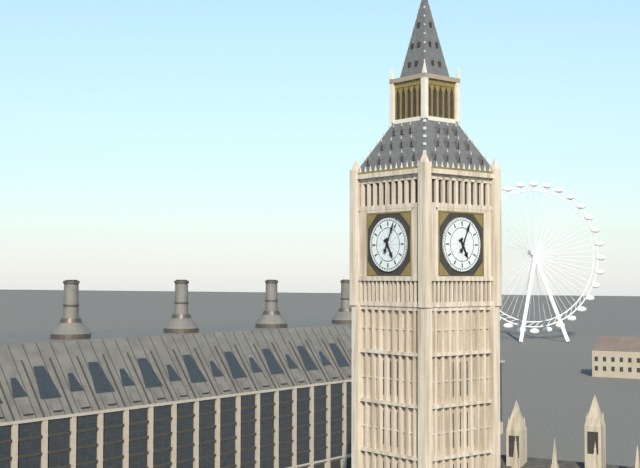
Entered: 5.04
